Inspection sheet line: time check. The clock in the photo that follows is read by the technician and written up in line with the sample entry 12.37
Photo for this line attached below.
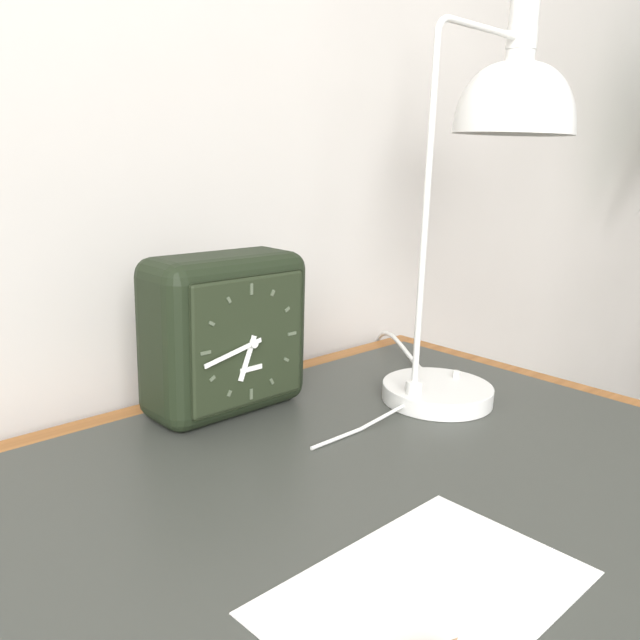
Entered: 6.43
